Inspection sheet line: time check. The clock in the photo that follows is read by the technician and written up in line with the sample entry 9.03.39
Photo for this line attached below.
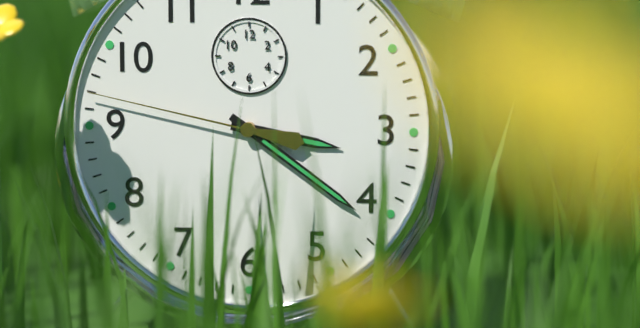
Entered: 3.21.47
